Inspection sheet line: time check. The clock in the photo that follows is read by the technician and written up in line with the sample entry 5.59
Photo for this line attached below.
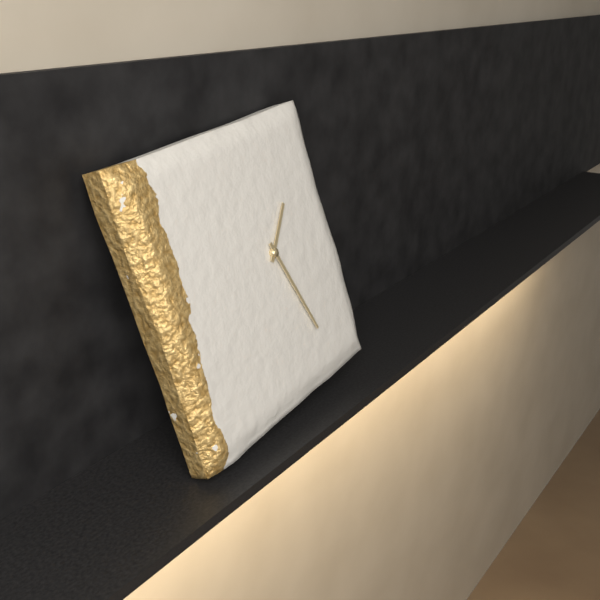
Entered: 1.27
